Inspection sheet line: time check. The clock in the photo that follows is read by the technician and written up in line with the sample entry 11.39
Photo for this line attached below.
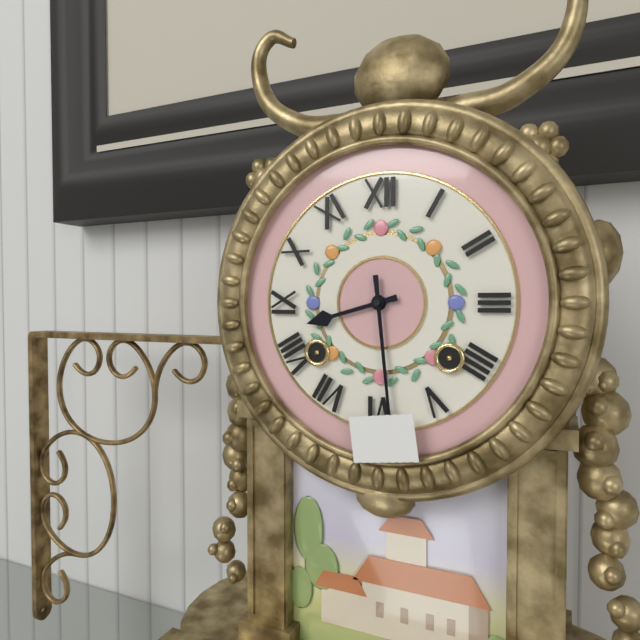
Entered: 8.29
